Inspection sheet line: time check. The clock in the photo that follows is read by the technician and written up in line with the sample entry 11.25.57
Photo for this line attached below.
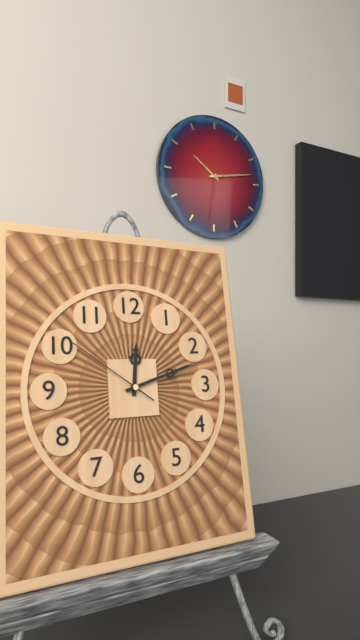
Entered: 12.12.51
